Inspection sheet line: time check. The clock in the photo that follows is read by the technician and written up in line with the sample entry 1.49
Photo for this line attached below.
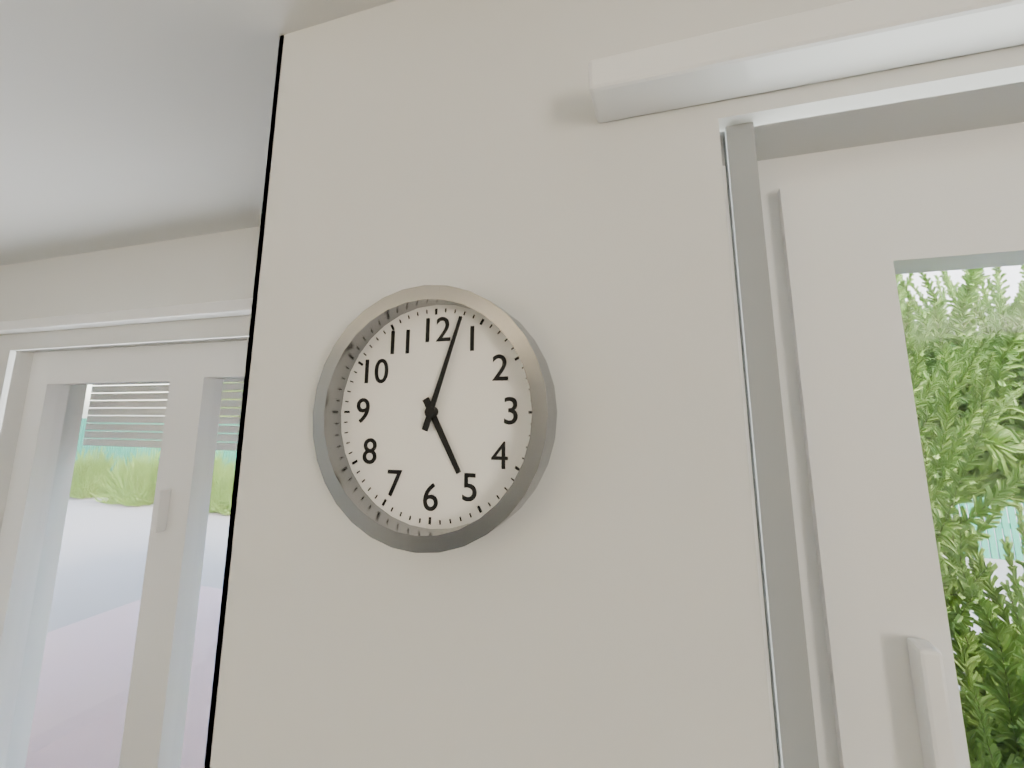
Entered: 5.03
